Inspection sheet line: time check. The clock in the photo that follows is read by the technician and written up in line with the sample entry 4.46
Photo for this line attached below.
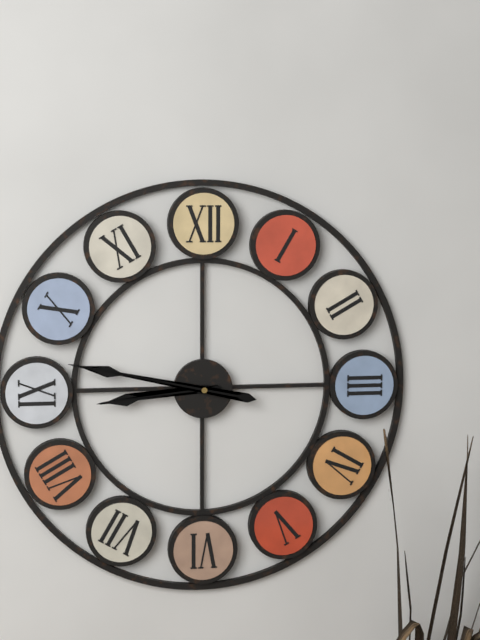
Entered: 8.47
